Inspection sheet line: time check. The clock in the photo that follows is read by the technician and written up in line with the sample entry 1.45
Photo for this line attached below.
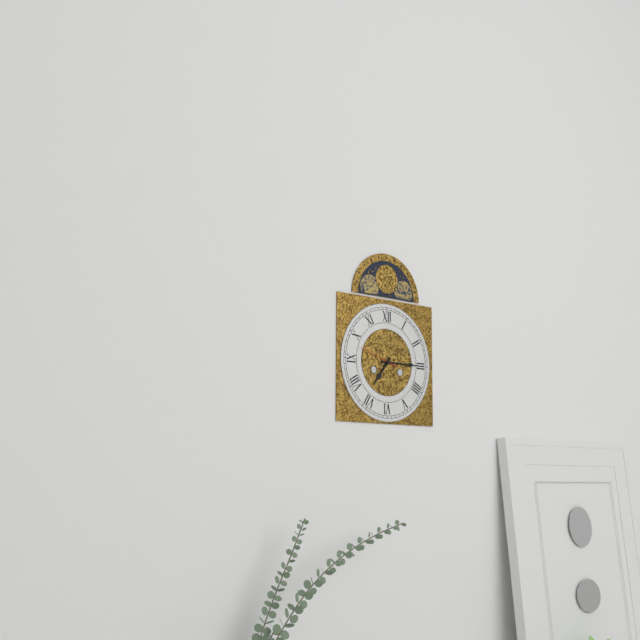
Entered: 7.15
